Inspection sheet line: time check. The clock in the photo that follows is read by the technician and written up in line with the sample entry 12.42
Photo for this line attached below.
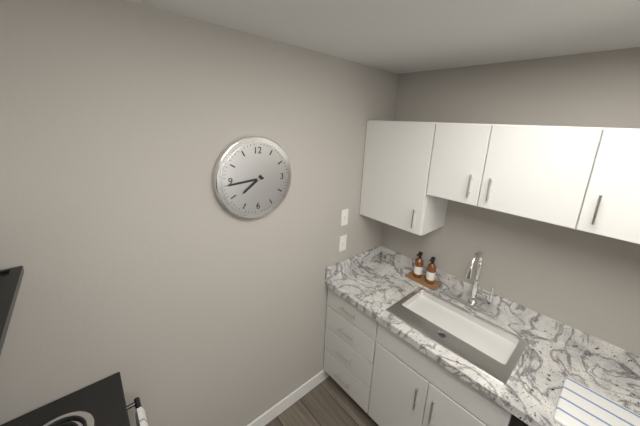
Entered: 7.44
